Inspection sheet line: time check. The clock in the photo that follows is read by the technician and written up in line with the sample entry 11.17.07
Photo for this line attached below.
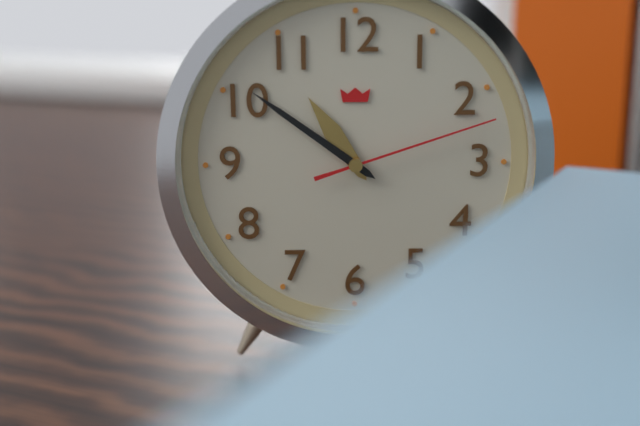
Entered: 10.51.12
